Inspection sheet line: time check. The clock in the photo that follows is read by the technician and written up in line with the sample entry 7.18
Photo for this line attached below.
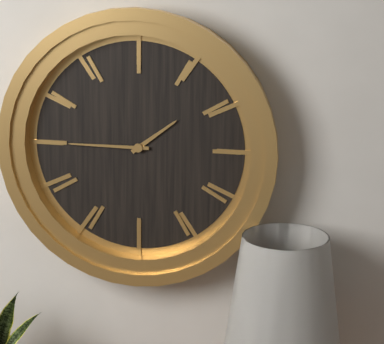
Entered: 1.45
